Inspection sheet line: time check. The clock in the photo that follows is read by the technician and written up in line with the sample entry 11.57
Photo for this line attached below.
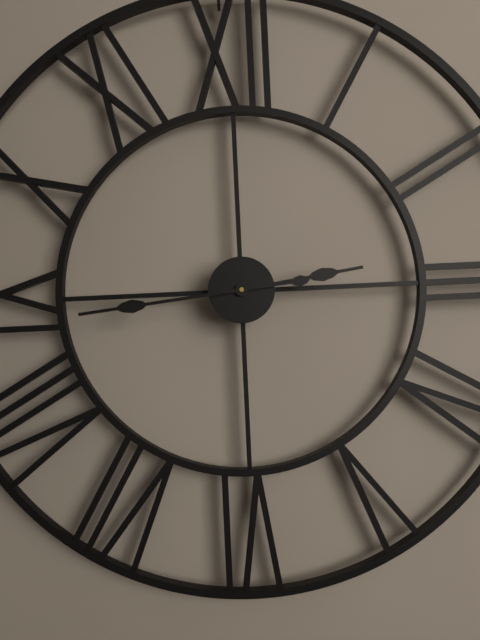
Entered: 2.44
